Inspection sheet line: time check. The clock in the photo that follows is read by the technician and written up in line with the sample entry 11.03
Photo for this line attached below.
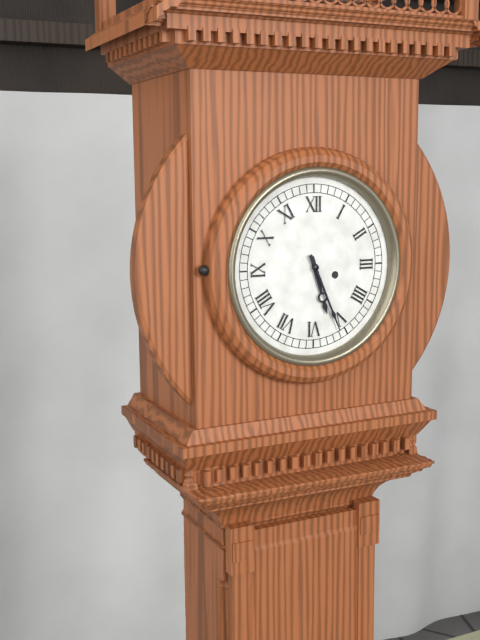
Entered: 5.26
